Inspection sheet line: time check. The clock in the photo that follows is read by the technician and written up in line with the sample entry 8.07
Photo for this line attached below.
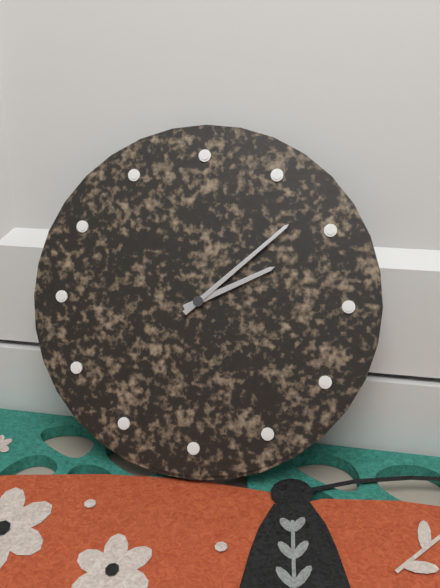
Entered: 2.08
